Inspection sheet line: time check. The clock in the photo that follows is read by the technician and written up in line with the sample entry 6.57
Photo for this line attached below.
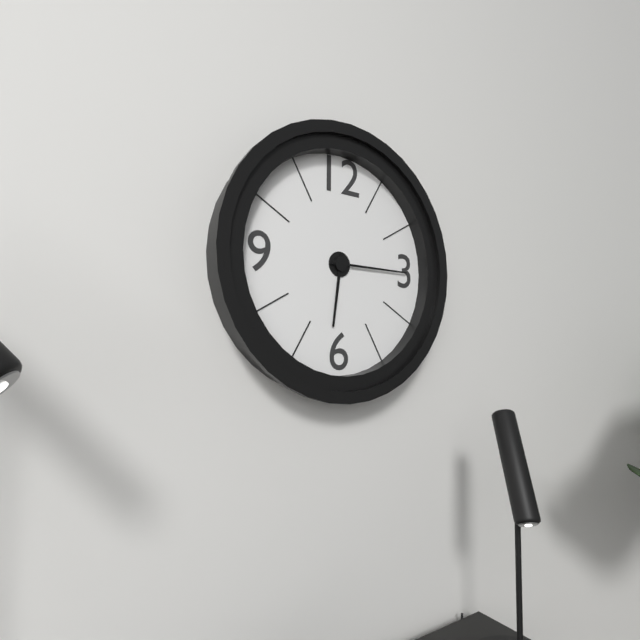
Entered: 6.15
